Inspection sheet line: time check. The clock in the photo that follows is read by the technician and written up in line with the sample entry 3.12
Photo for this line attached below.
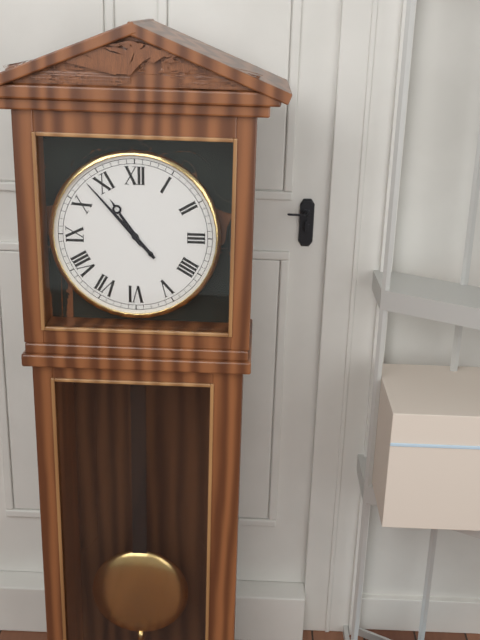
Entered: 10.53
